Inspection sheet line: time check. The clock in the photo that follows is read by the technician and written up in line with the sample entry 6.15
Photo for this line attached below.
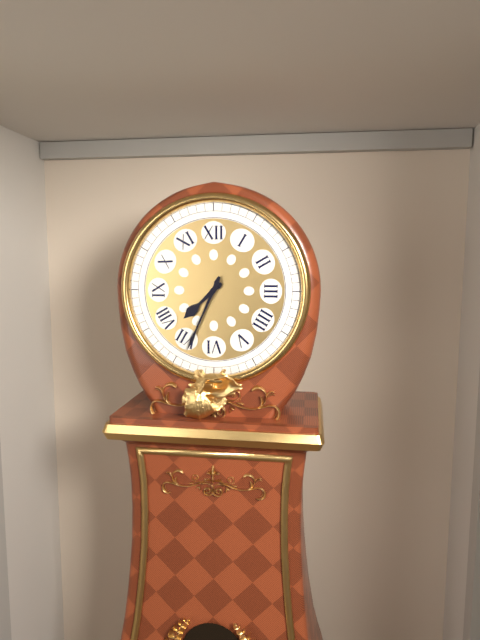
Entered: 7.34
